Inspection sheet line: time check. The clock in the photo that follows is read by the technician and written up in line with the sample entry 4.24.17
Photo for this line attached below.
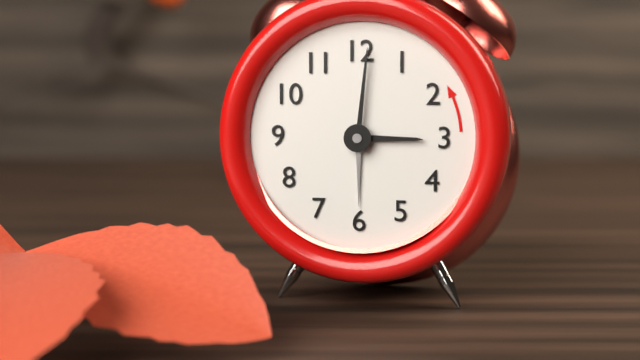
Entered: 3.01.30
